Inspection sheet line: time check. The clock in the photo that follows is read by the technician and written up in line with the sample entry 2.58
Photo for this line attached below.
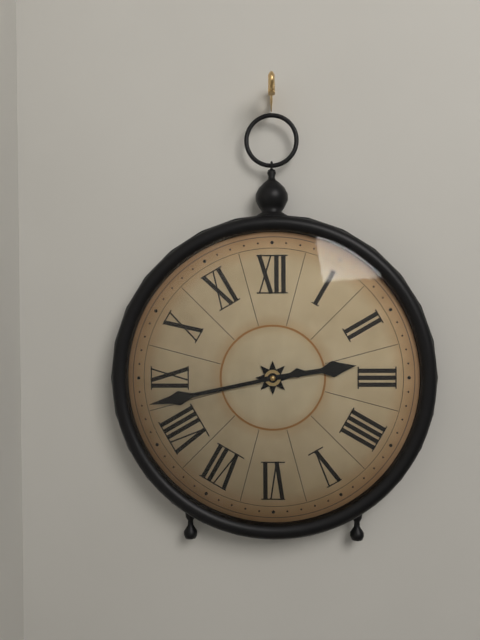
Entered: 2.43
